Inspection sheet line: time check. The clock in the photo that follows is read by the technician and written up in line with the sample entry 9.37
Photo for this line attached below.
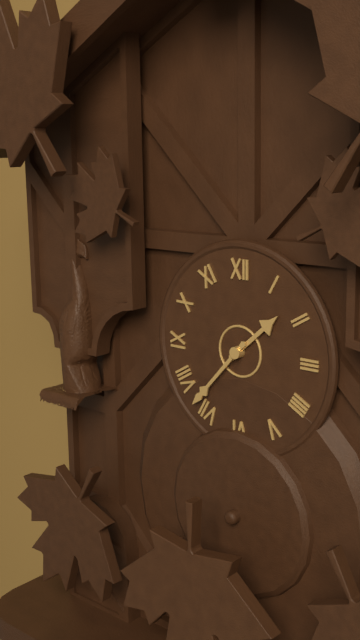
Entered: 1.37
